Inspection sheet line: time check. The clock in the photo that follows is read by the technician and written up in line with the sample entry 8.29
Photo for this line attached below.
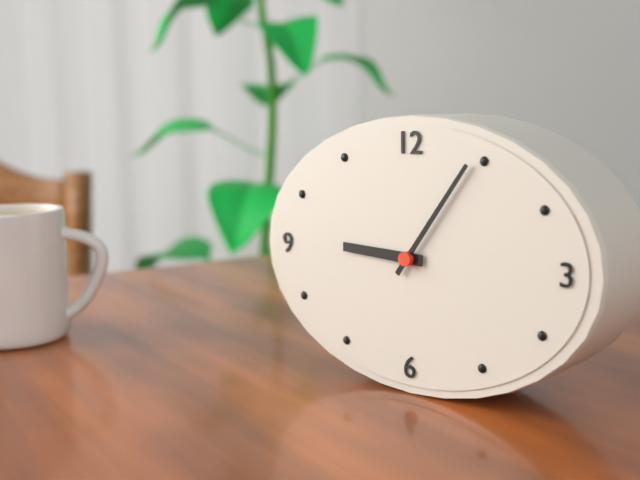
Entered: 9.06
